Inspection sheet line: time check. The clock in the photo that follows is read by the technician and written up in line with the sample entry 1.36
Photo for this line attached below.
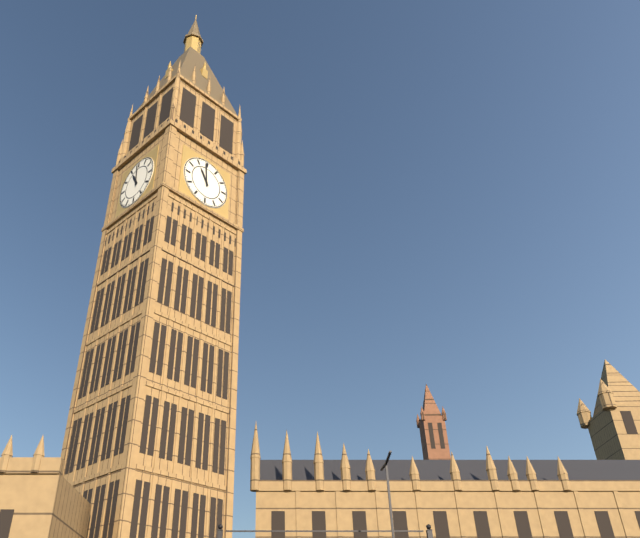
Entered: 10.59
